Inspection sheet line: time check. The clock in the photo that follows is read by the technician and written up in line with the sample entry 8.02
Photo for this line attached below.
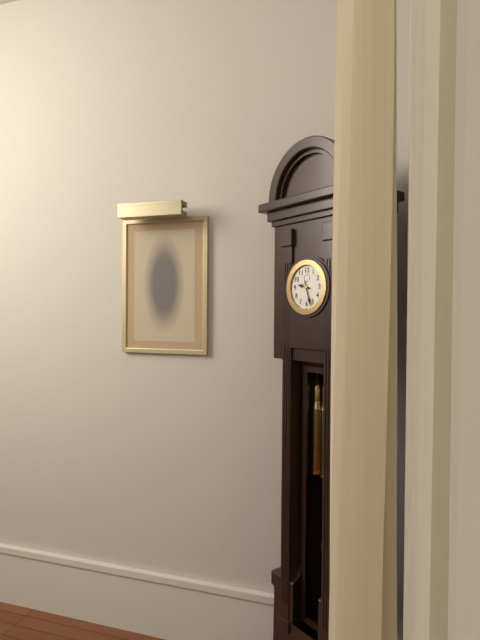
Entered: 9.27
